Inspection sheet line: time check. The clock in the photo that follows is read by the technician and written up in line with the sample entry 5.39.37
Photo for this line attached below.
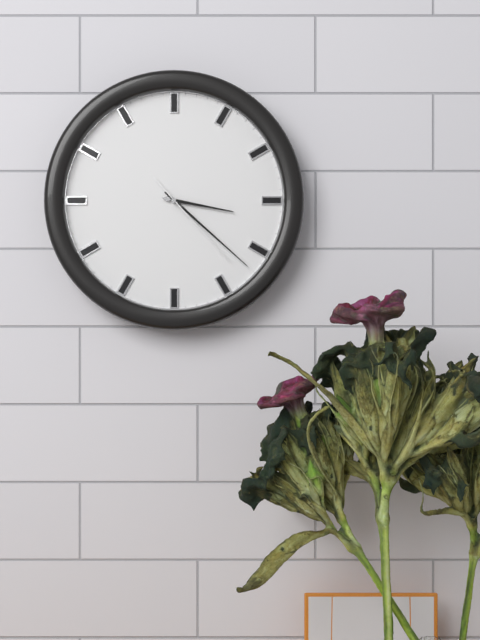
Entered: 3.22.23
